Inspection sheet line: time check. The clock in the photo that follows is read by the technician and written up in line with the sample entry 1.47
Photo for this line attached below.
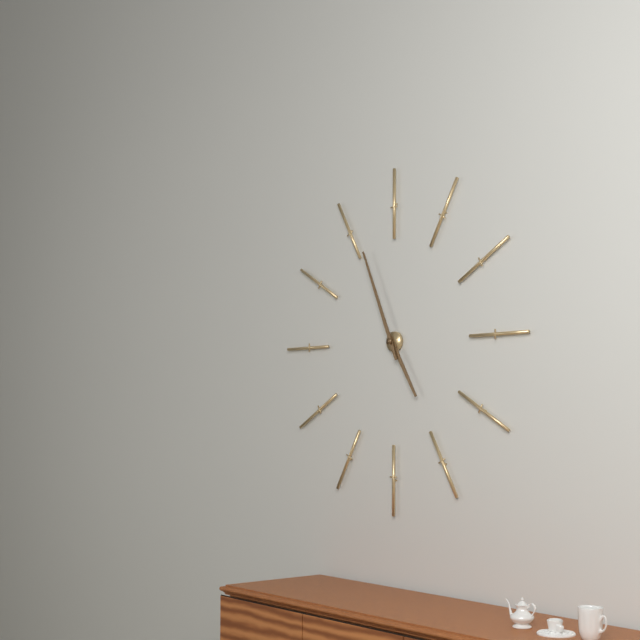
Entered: 4.56
